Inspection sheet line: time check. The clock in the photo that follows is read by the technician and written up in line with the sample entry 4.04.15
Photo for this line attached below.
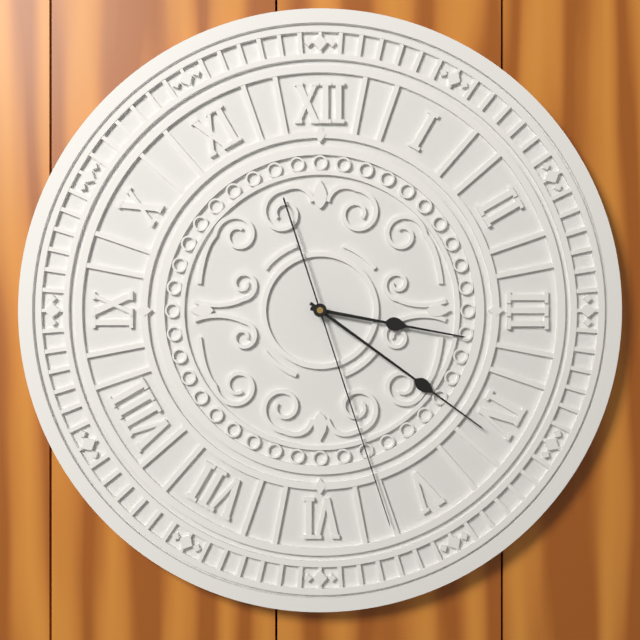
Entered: 3.21.27
